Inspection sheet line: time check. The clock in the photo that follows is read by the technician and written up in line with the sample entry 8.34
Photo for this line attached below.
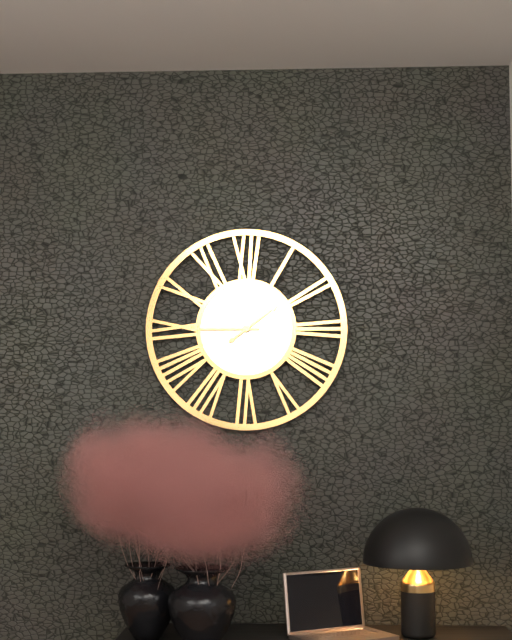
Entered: 1.45
